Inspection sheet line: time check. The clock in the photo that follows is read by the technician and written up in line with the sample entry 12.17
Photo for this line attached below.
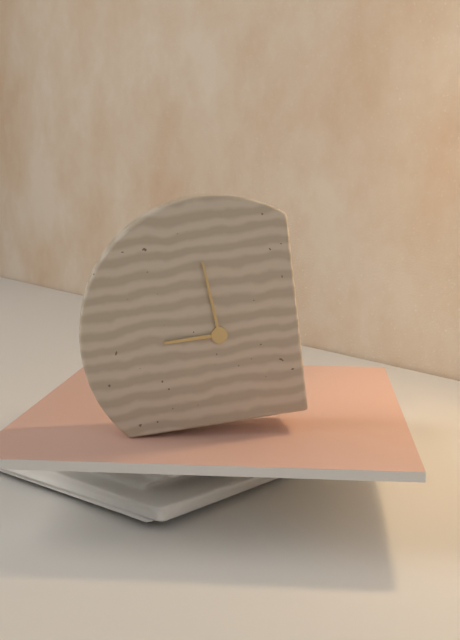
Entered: 8.59
